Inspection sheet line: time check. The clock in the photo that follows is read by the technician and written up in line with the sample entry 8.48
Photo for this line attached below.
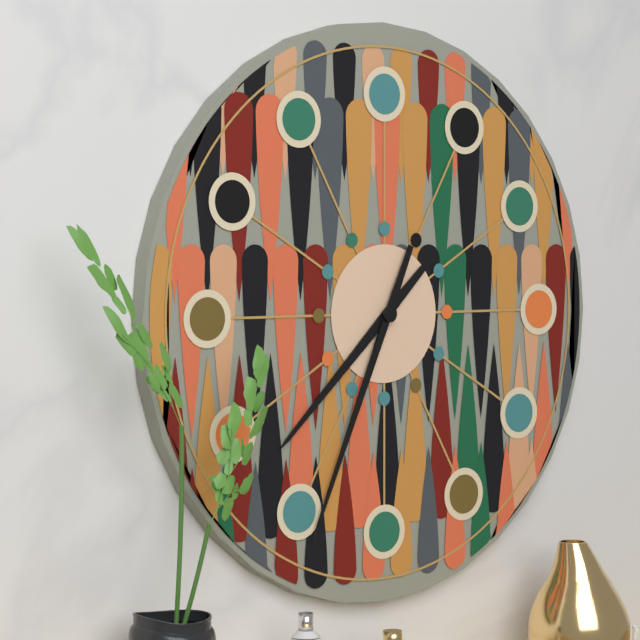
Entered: 7.34
